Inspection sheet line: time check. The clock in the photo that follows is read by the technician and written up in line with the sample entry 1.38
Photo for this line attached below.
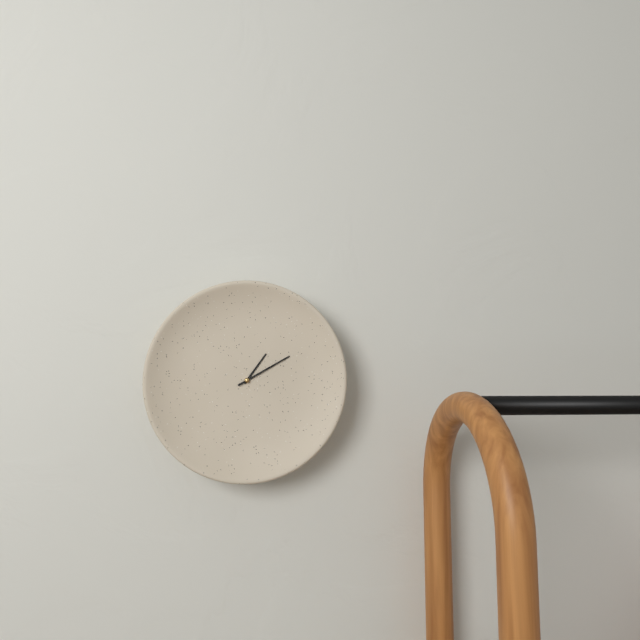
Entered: 1.10
